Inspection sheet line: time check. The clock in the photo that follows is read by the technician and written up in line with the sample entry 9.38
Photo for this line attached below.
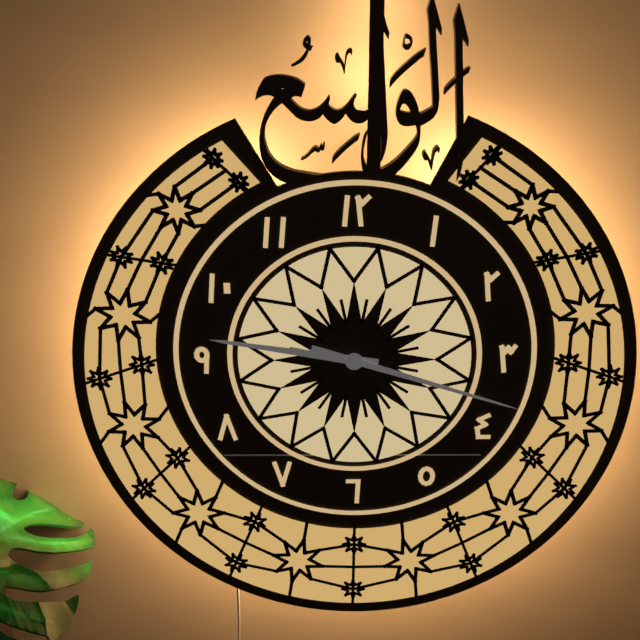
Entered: 9.18
